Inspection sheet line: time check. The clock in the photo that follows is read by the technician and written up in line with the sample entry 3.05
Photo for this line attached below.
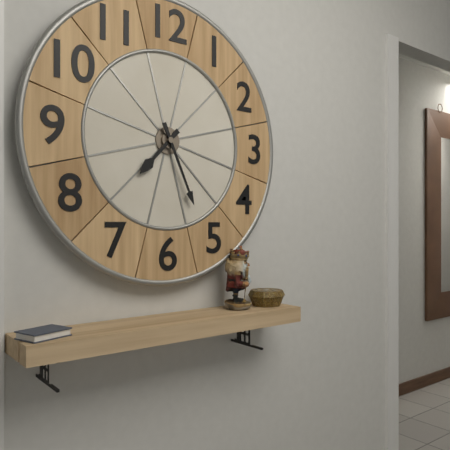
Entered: 7.26
